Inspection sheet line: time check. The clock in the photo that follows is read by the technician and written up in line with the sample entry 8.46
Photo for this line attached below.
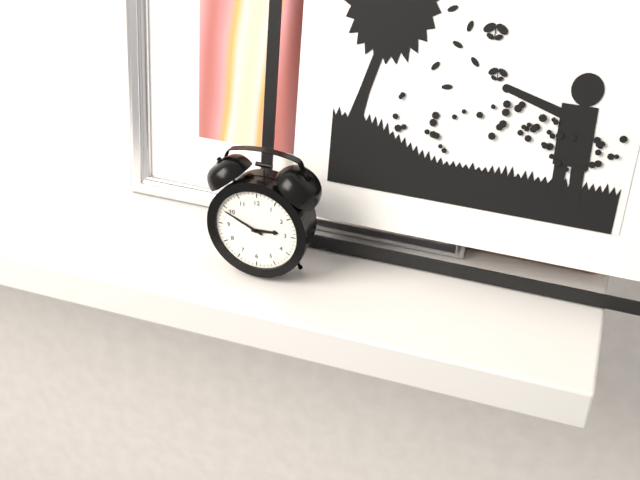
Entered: 2.49
